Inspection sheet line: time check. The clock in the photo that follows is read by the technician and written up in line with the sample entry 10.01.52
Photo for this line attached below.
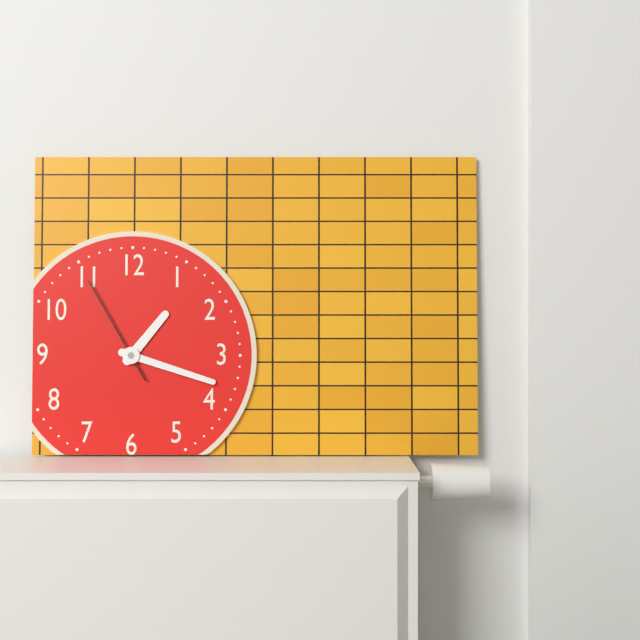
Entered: 1.18.55
